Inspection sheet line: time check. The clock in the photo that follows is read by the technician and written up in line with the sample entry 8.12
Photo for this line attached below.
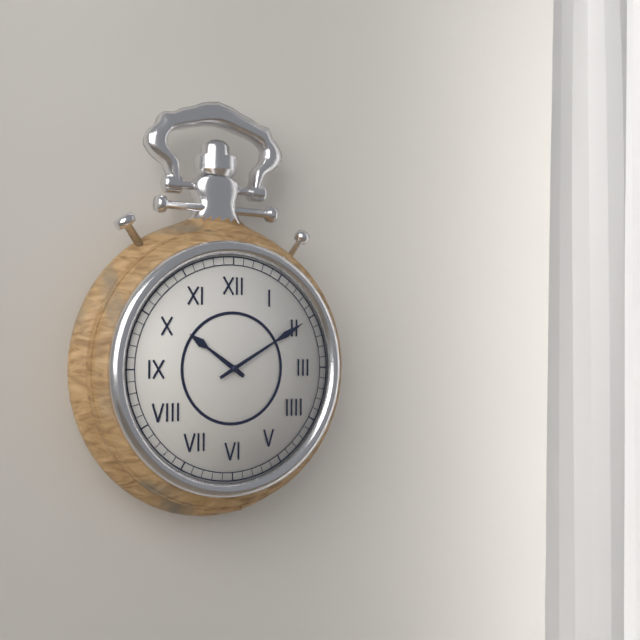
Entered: 10.10
